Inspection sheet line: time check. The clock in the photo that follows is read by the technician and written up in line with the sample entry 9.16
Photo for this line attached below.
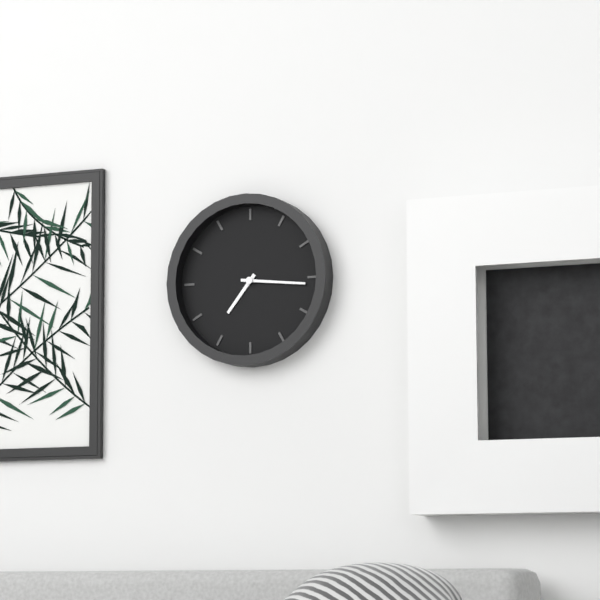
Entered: 7.16
